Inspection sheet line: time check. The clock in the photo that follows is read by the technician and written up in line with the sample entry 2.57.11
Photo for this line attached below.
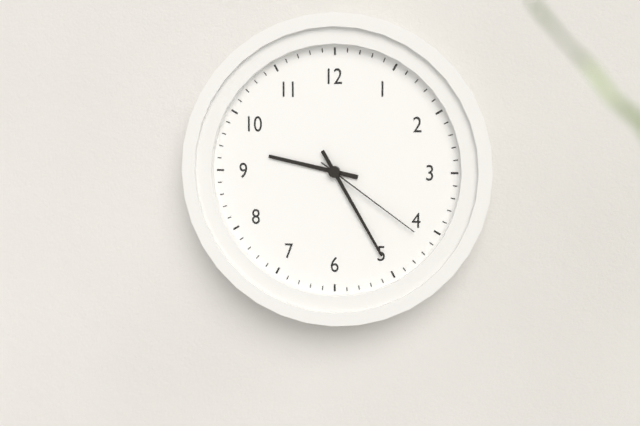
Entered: 9.25.21
